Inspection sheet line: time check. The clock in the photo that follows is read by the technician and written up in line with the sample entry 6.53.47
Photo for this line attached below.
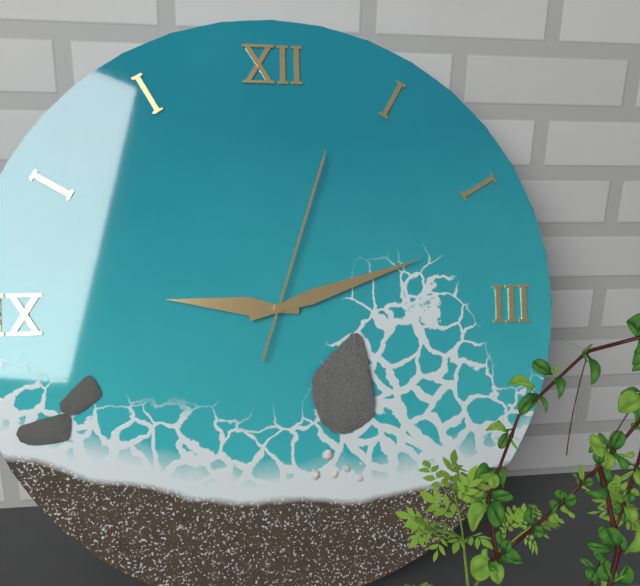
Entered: 9.12.03
